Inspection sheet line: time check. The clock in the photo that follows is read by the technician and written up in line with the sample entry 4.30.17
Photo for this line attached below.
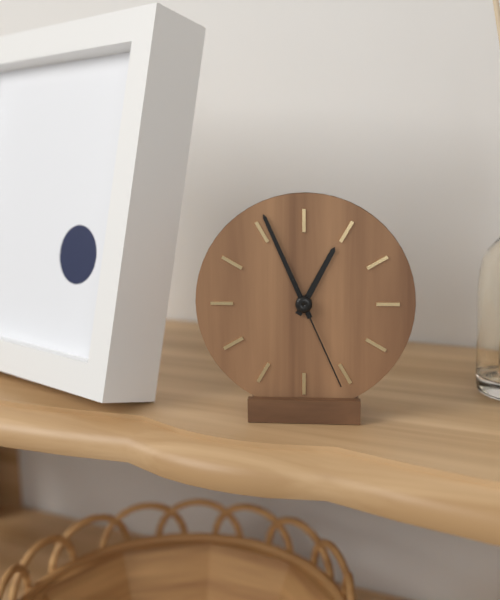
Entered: 12.56.26
